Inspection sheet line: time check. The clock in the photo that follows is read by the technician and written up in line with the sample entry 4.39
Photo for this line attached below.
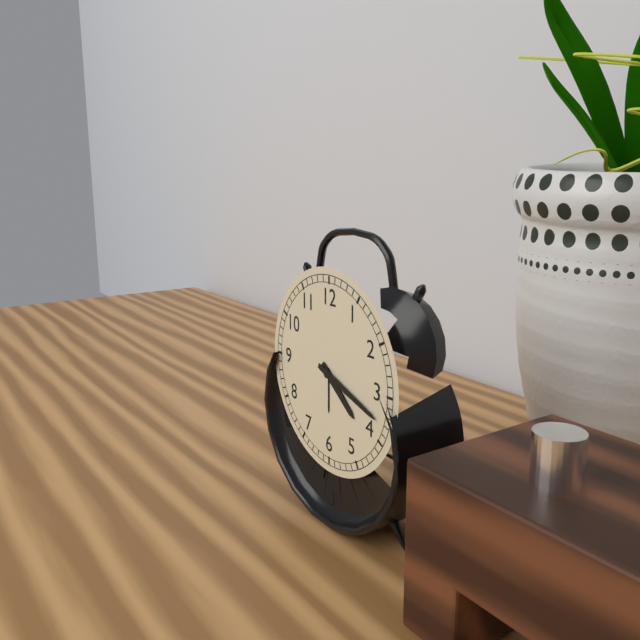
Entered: 4.18
